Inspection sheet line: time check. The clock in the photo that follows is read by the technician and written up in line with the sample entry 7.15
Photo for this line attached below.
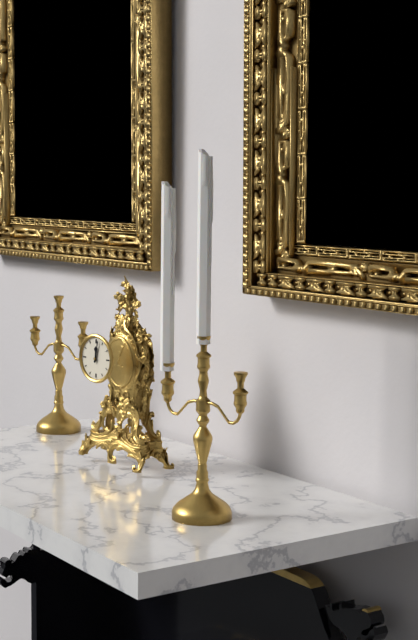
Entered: 12.02
